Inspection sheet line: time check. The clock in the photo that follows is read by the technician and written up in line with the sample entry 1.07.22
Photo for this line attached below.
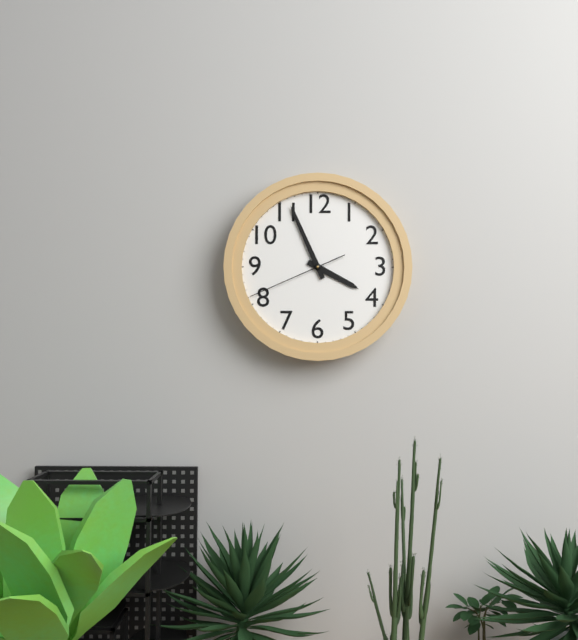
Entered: 3.56.41
